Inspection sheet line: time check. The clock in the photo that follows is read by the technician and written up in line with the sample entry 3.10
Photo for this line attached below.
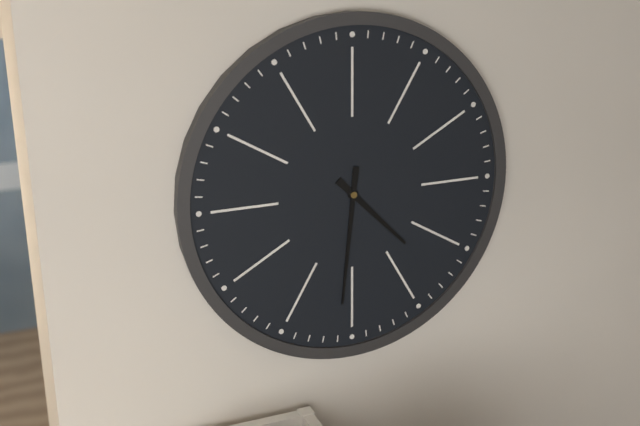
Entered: 4.31
